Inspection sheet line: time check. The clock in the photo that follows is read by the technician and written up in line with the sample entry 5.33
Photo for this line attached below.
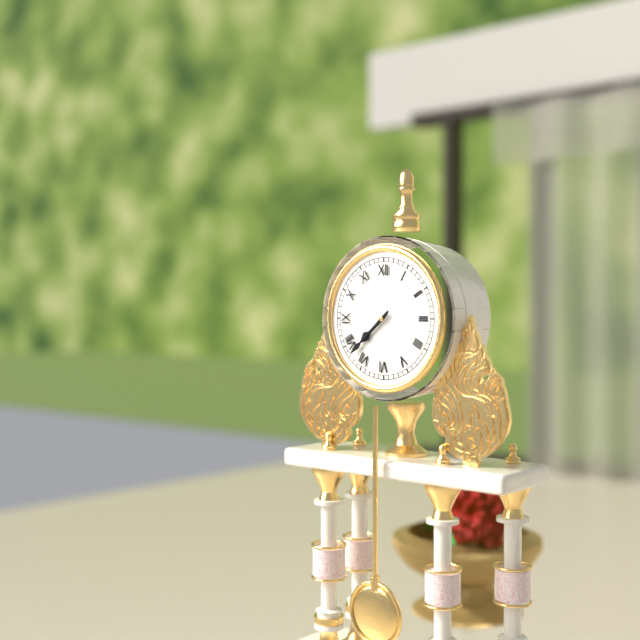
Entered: 7.38
